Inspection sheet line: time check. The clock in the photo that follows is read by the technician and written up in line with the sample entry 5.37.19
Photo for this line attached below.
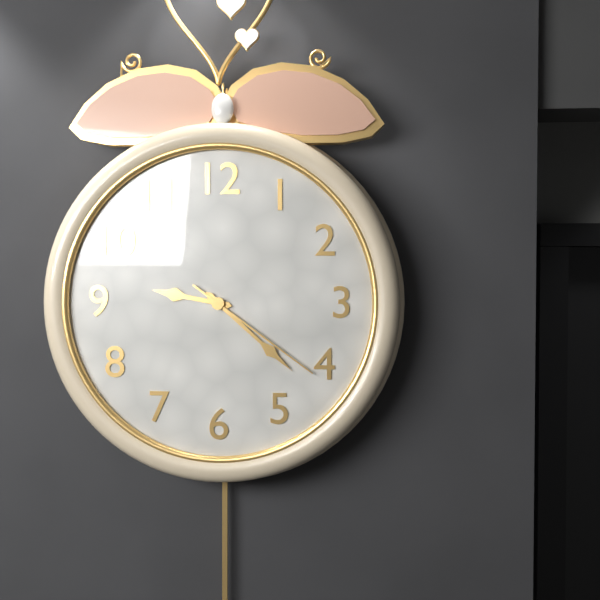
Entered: 9.22.21
